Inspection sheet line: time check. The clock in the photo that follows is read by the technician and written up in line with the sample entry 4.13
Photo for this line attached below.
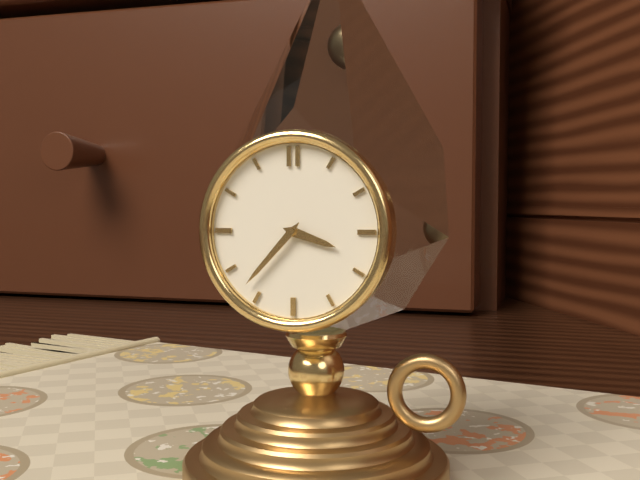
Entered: 3.37
